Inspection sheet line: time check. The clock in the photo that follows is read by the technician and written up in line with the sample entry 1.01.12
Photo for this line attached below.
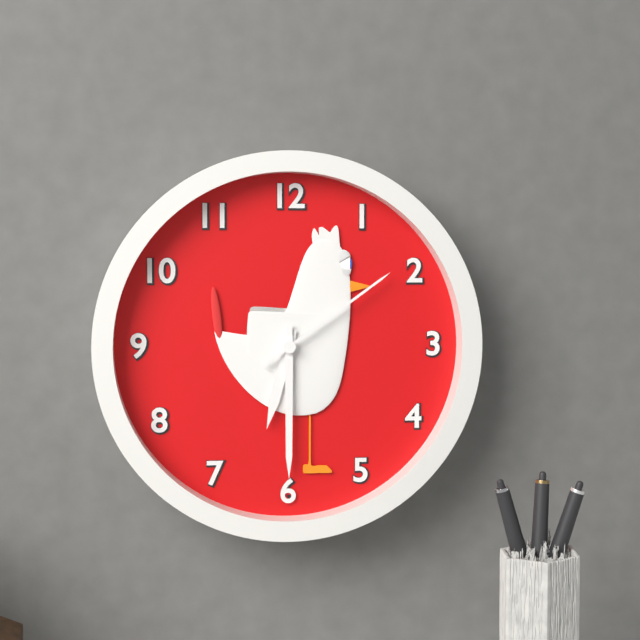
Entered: 6.30.09
